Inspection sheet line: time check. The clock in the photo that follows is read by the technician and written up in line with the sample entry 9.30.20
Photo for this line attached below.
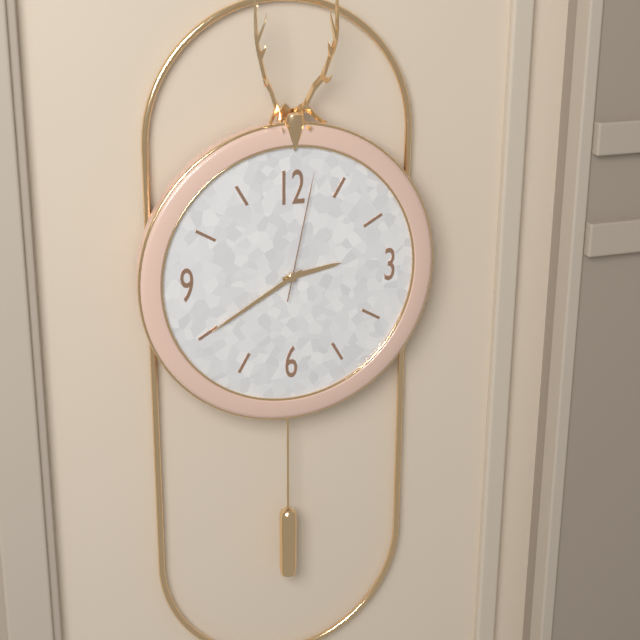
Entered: 2.40.02
